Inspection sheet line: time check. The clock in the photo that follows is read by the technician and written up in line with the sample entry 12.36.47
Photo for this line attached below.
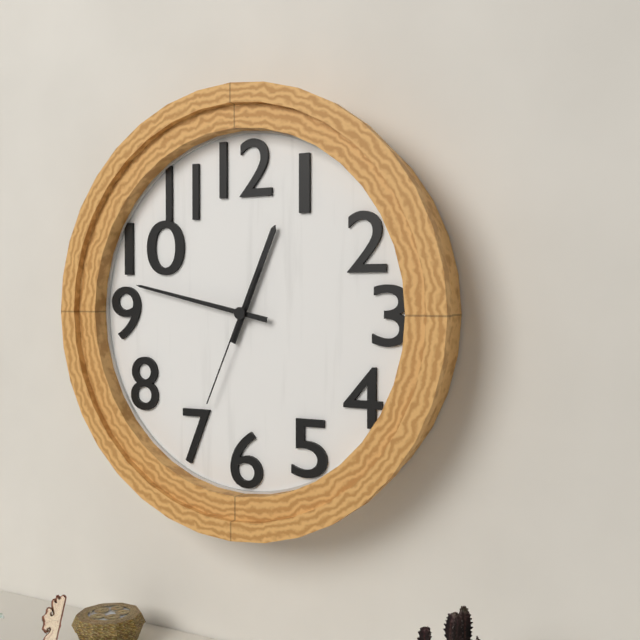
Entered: 12.47.34
